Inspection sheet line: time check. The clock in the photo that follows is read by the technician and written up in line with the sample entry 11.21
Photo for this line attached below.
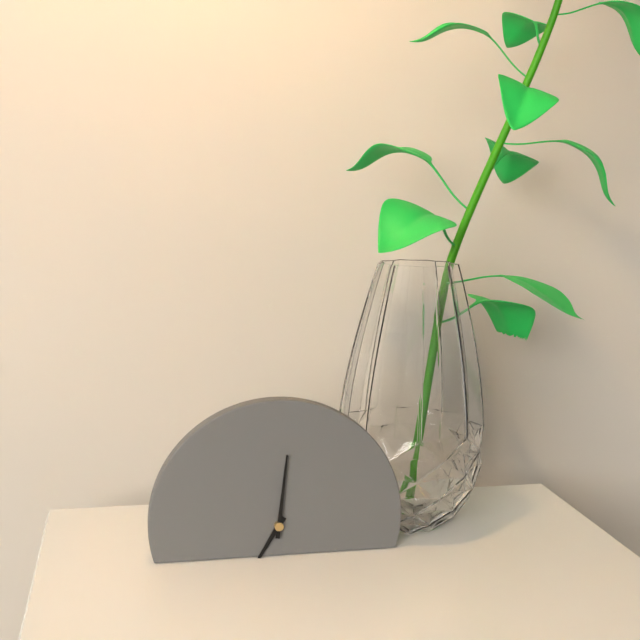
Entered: 7.01
